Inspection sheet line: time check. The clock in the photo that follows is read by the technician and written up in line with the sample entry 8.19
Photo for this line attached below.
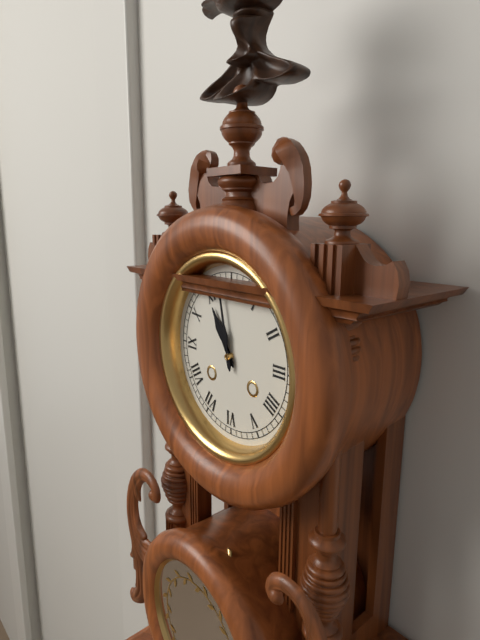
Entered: 10.58
